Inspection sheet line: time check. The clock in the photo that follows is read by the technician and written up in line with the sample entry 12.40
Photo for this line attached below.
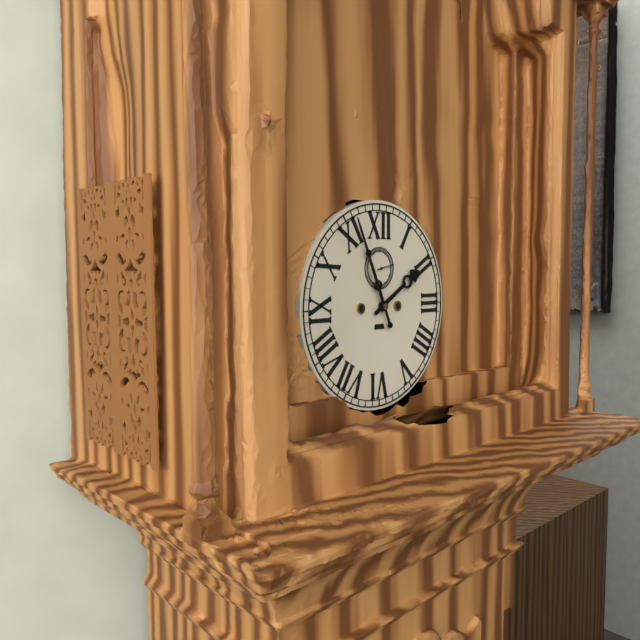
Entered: 1.56
